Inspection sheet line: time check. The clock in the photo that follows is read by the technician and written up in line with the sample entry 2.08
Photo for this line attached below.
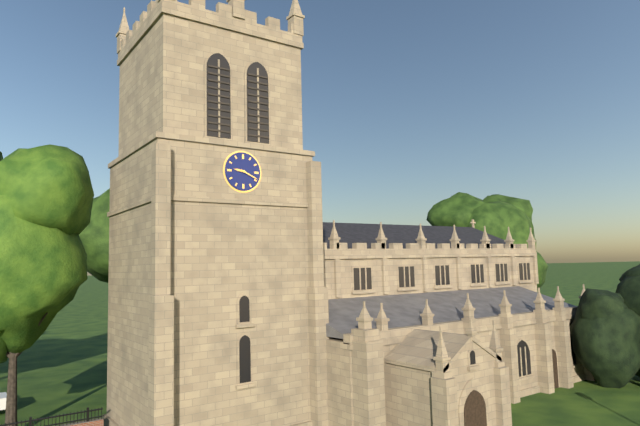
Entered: 9.19
